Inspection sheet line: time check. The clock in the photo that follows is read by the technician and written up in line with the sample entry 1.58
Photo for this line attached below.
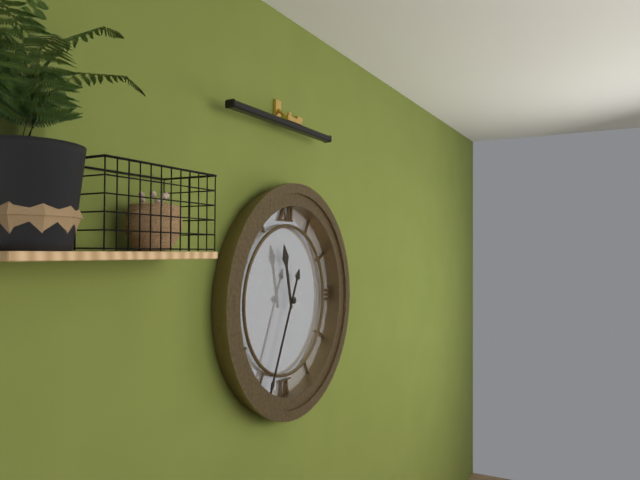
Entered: 11.34
